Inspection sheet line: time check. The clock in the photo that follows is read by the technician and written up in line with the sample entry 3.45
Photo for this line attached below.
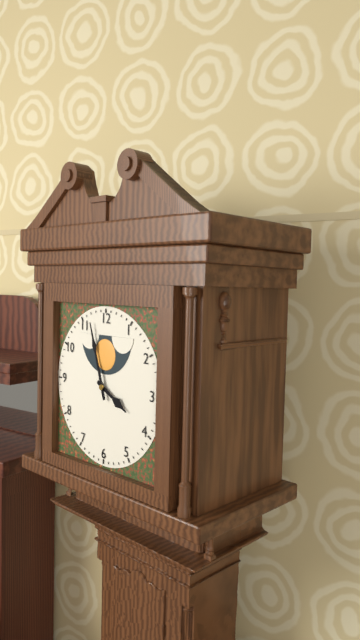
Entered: 3.57
